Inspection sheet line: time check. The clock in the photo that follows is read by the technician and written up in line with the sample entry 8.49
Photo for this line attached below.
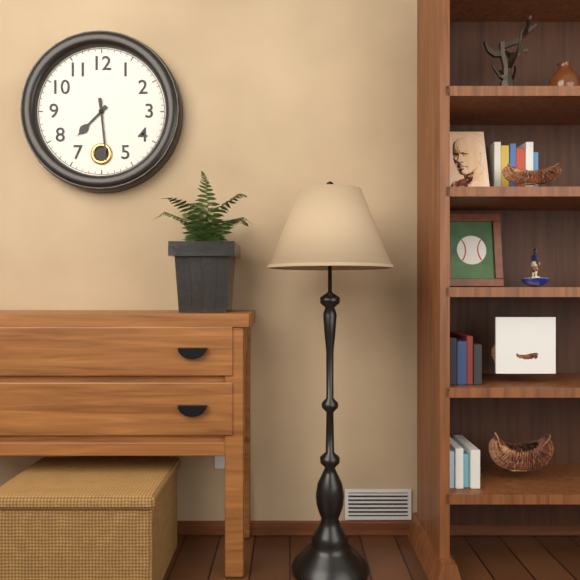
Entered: 7.29
